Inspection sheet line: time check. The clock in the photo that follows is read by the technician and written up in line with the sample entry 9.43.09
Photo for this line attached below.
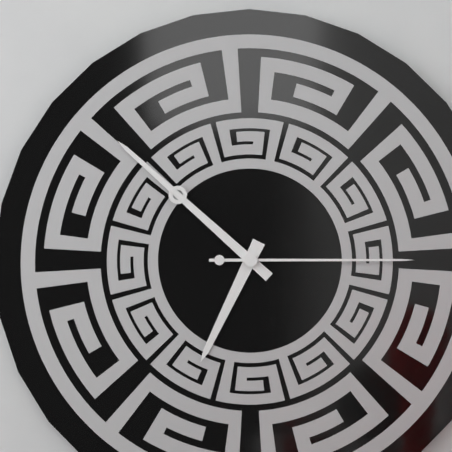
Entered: 6.52.15
